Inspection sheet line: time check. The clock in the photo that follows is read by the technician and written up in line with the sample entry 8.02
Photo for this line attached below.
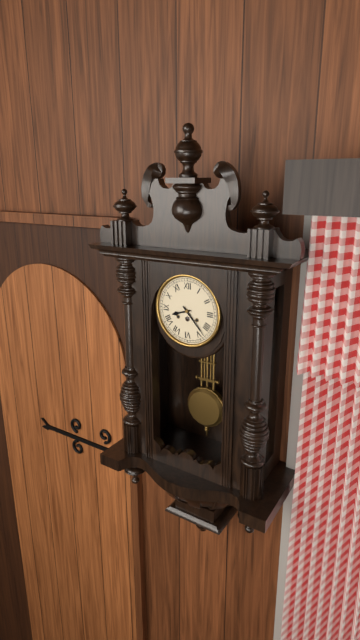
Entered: 8.23
